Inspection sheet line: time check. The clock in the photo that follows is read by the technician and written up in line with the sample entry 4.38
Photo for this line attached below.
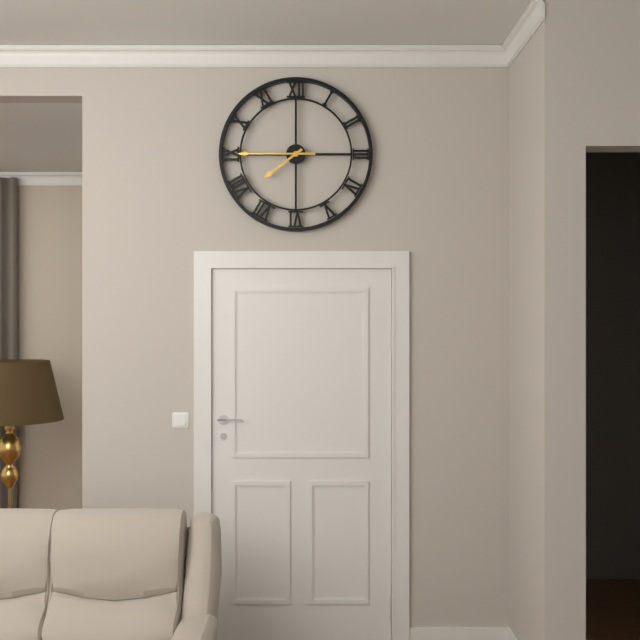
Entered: 7.45
